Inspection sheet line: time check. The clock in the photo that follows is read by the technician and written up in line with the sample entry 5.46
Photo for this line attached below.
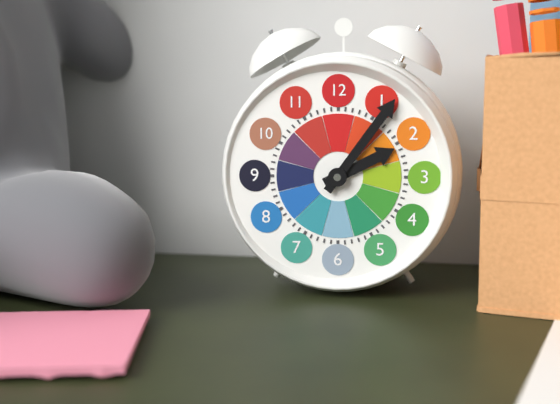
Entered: 2.06
